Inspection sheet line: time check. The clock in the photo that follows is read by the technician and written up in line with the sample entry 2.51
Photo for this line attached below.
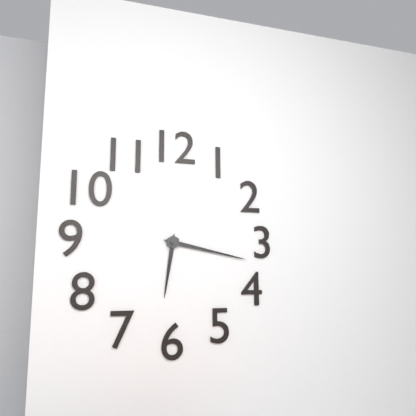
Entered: 6.17
